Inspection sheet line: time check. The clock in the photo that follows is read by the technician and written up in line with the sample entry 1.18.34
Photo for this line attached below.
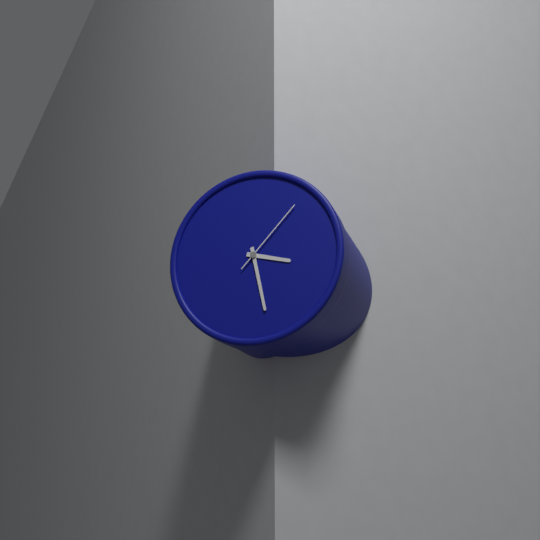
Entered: 3.28.07
